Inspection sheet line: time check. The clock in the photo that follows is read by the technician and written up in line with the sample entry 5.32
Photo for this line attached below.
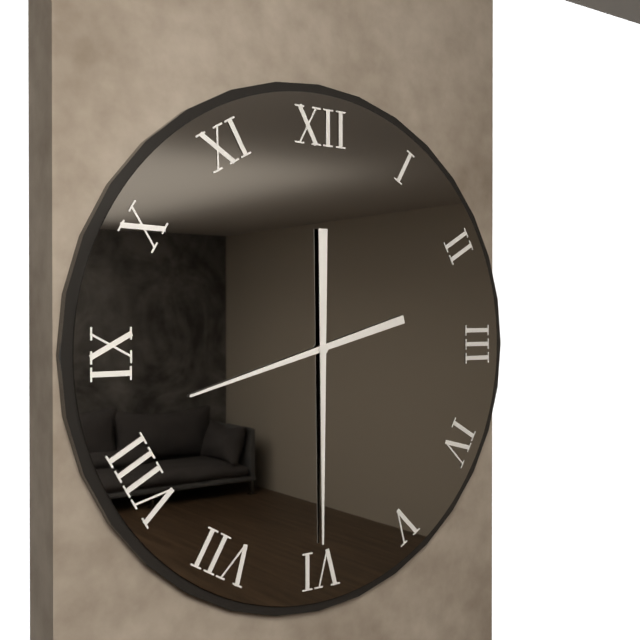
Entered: 8.30
